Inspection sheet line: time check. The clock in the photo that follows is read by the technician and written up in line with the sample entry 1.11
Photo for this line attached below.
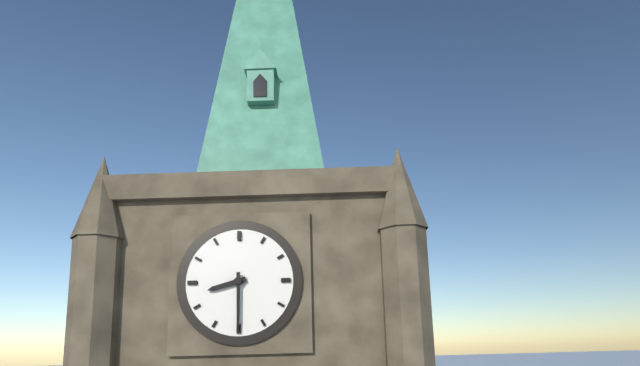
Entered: 8.30
